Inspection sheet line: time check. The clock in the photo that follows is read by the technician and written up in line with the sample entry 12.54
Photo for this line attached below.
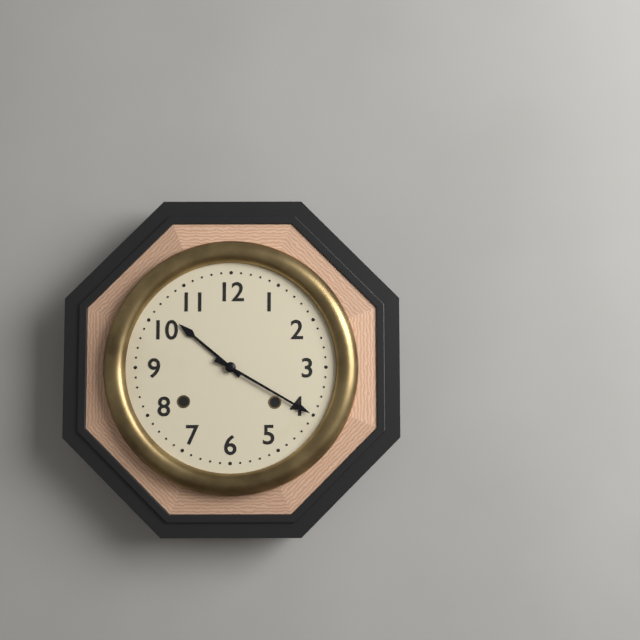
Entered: 10.20
